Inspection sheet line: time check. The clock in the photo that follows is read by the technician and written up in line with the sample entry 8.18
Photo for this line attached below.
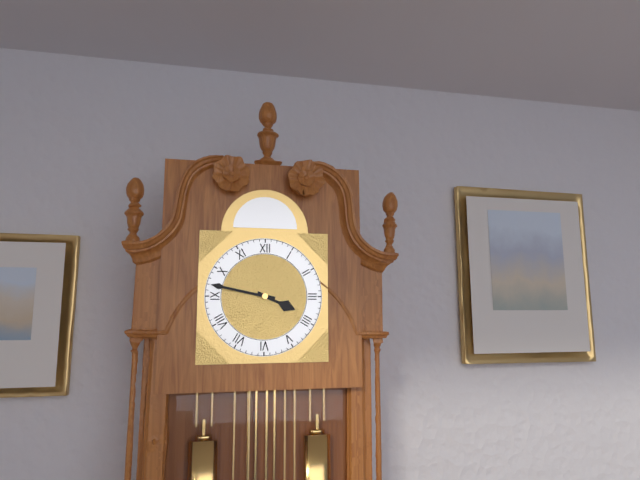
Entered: 3.47
